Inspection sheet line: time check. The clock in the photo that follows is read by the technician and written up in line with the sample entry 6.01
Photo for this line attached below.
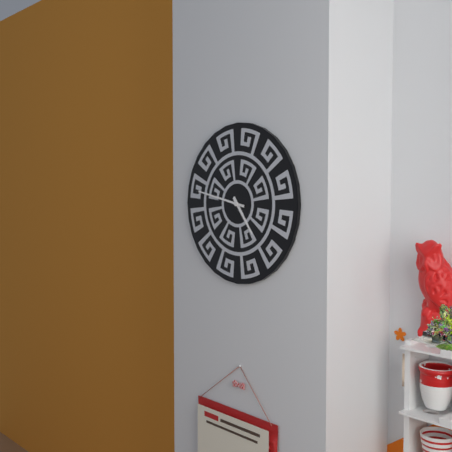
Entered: 4.47
